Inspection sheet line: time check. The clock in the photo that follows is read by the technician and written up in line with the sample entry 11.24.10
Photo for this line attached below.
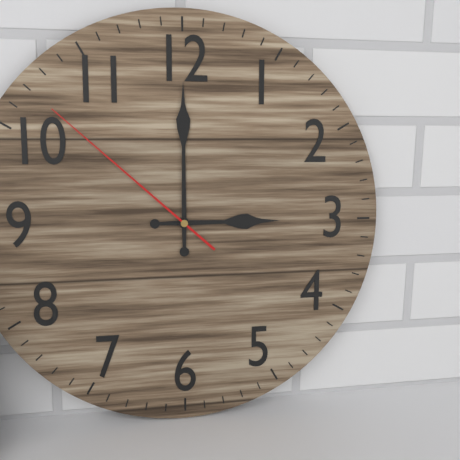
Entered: 3.00.52
